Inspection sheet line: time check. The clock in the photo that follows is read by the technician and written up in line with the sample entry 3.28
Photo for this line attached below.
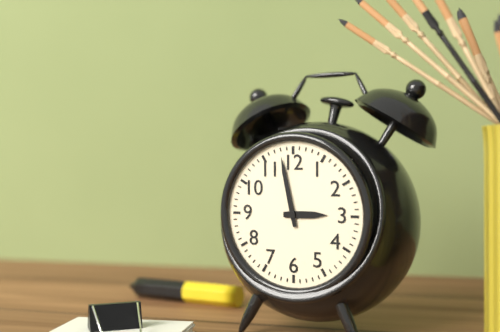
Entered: 2.58
